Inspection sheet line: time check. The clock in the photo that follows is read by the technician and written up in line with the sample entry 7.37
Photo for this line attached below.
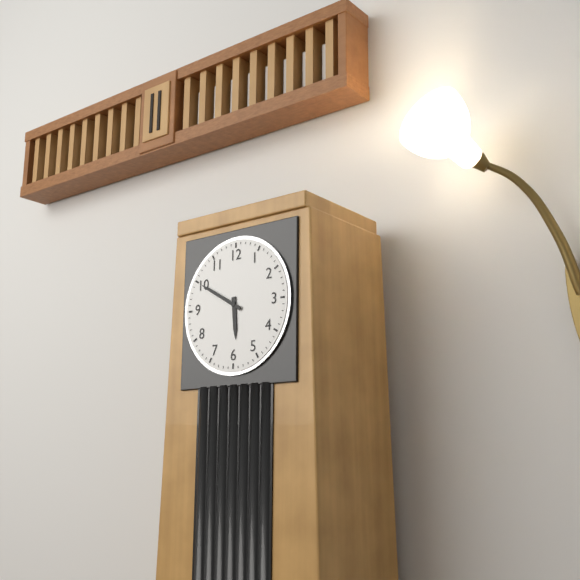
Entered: 5.50
